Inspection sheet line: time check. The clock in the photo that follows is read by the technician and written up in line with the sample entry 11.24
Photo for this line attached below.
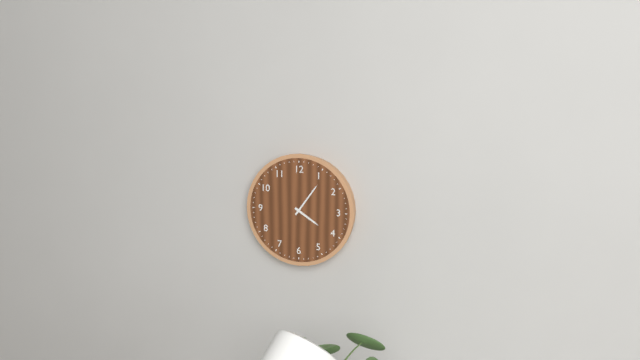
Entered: 4.06
